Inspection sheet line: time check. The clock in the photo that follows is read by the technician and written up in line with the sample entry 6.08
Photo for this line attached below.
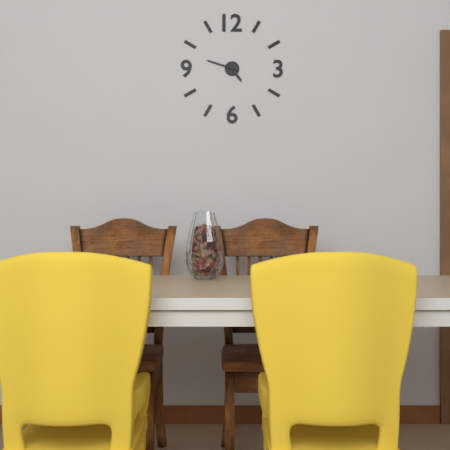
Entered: 4.48
